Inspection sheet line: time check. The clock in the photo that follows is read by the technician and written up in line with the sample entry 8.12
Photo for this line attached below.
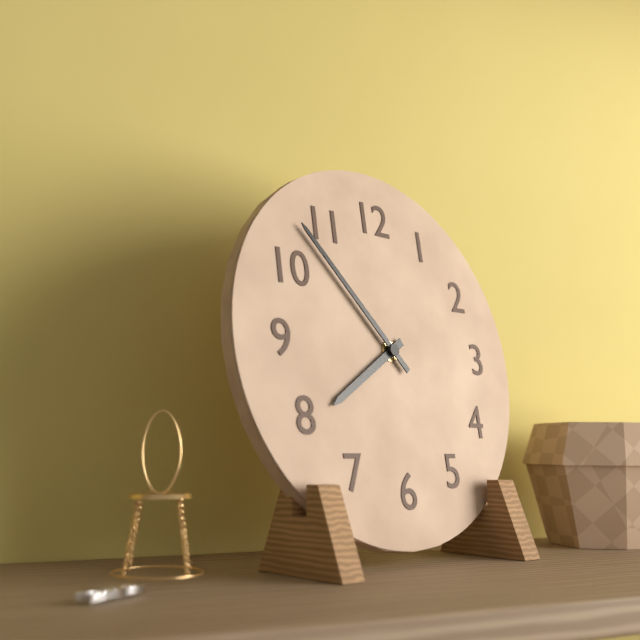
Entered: 7.53
